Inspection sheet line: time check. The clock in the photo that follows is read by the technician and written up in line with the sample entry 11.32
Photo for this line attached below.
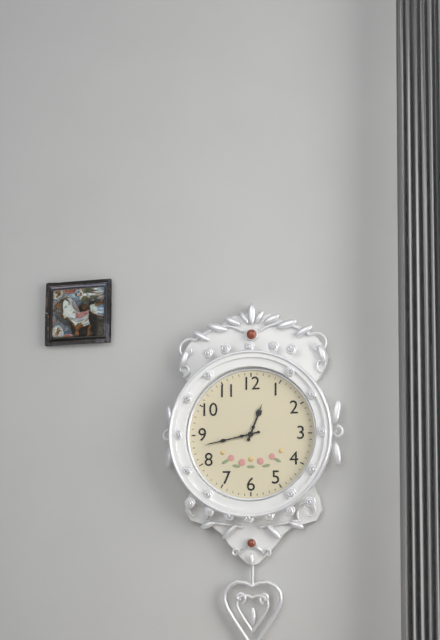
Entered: 12.43
